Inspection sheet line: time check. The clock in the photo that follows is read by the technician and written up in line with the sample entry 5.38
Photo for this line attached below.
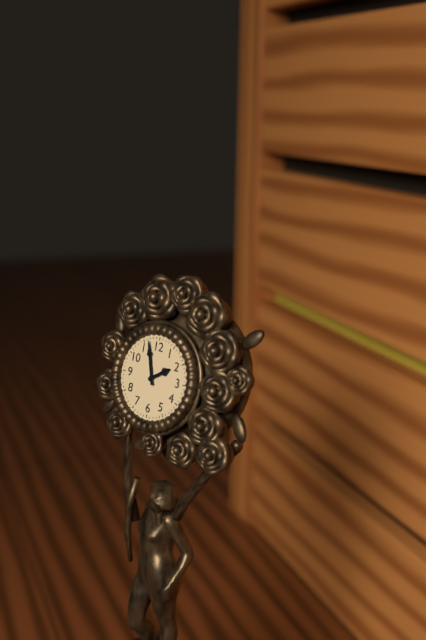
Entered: 1.57
